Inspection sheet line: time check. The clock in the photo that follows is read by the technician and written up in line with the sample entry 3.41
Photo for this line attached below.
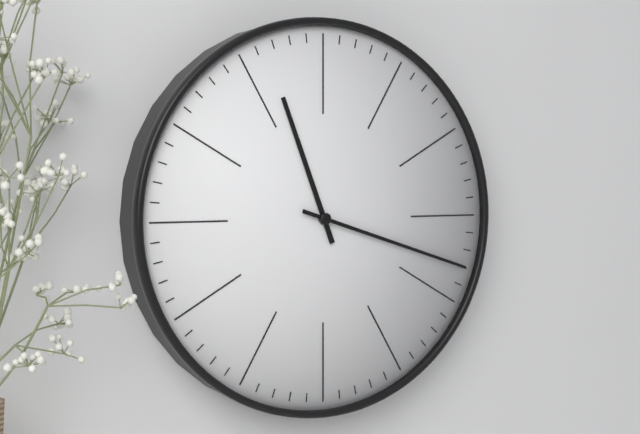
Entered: 11.18
